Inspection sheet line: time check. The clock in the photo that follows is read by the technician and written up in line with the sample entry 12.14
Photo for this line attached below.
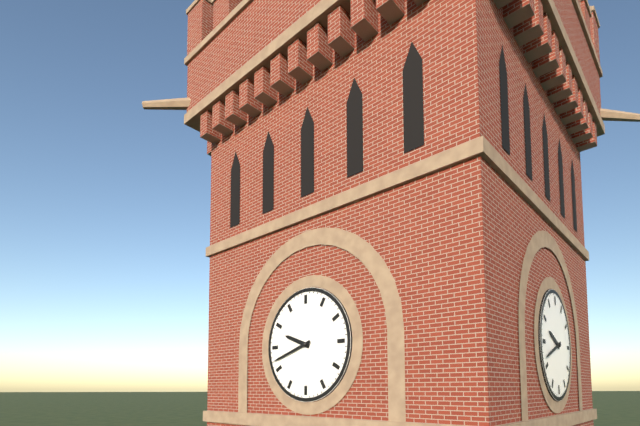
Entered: 9.42
